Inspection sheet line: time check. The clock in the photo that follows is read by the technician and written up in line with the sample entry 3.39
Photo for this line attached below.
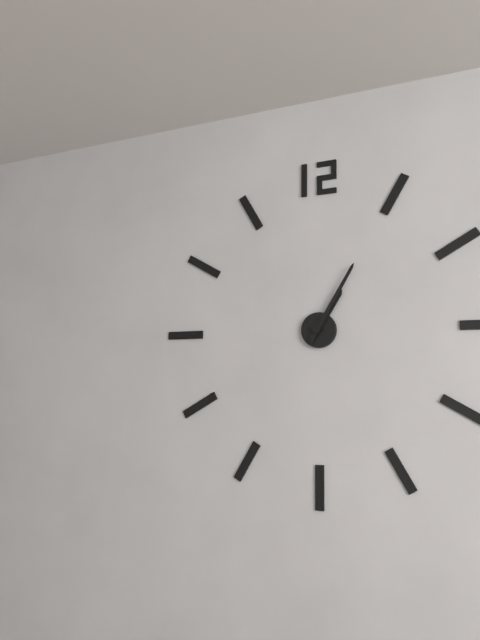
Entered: 1.05
